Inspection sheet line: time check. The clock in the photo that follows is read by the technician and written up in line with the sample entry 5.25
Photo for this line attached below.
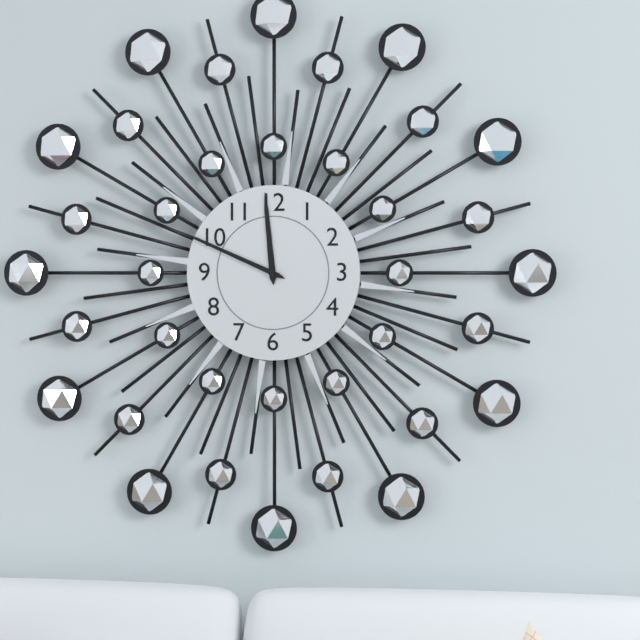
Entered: 11.49
